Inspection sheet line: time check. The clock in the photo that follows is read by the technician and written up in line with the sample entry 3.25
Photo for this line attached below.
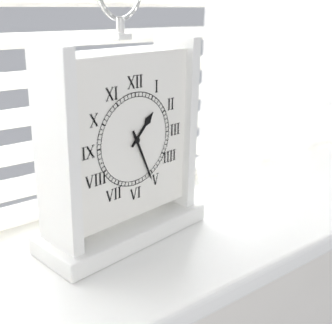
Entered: 1.26
